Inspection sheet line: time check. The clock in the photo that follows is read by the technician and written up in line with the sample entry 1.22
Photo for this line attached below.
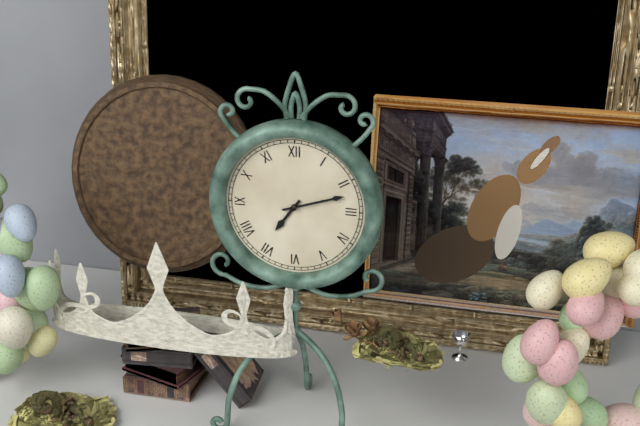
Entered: 7.12
